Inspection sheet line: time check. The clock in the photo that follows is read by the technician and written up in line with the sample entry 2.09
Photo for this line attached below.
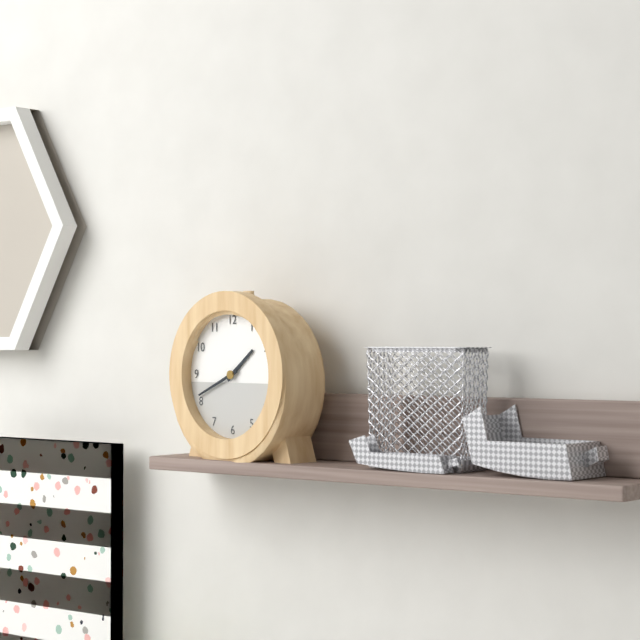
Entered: 1.41
